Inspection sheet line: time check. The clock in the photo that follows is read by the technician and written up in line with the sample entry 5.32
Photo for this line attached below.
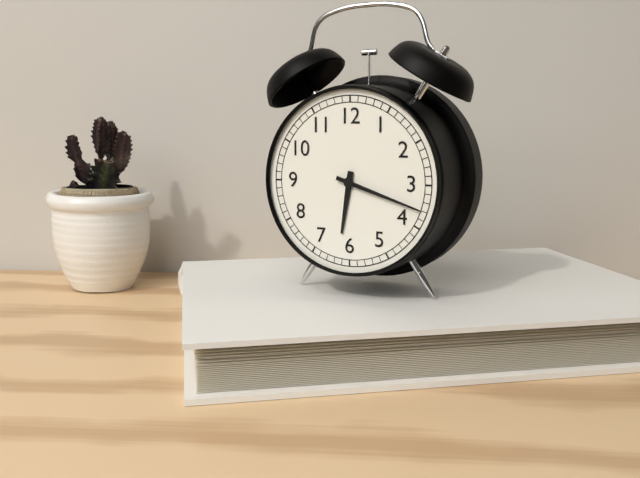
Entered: 6.18
